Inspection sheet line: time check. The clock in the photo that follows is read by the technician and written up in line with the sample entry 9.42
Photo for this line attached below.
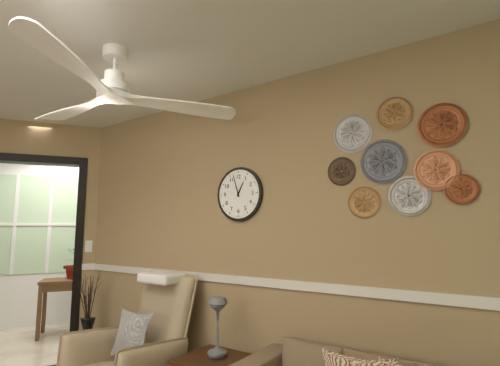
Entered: 12.57
